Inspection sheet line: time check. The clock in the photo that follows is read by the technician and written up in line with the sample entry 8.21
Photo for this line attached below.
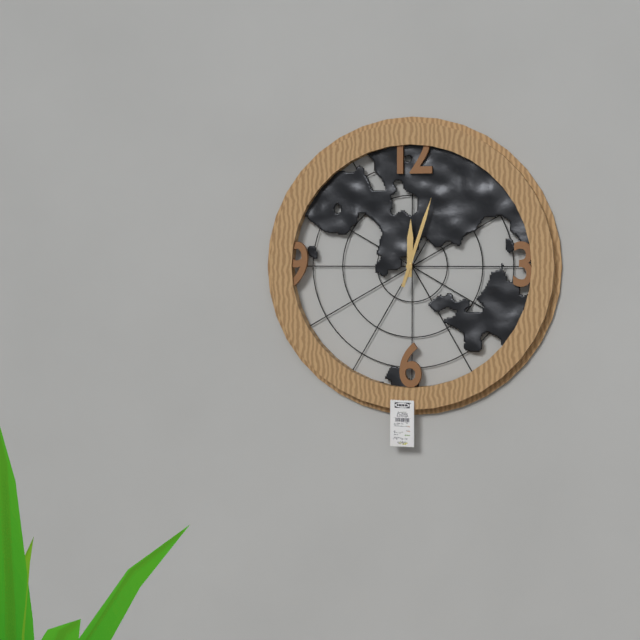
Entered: 12.03
